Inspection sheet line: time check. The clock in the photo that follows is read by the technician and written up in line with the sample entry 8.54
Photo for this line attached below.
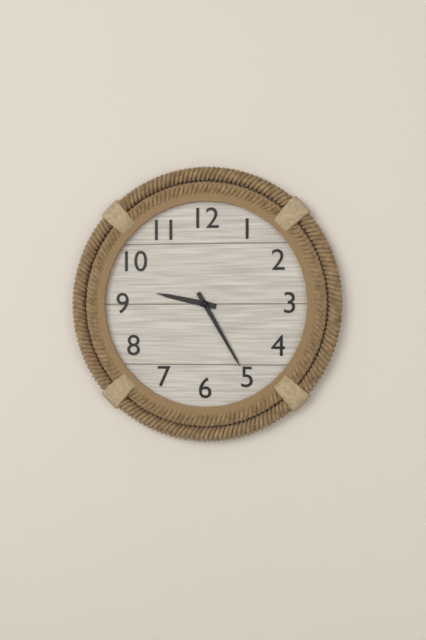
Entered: 9.25
